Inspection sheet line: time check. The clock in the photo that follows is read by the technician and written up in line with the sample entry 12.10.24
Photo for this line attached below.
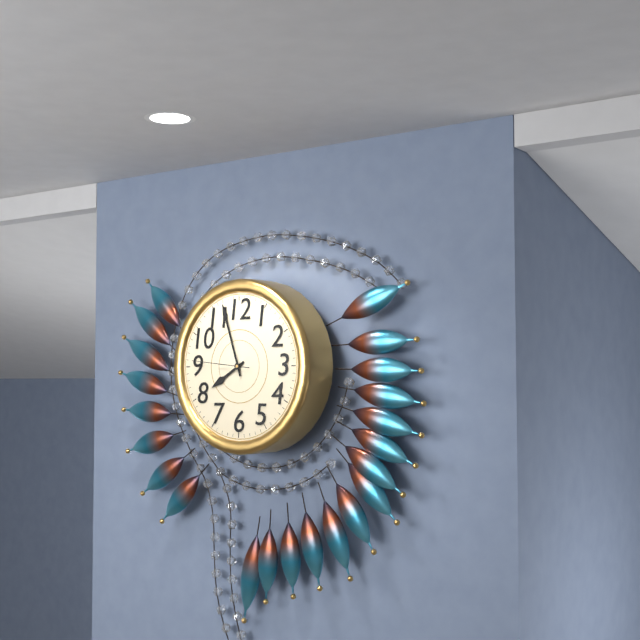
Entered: 7.57.46
